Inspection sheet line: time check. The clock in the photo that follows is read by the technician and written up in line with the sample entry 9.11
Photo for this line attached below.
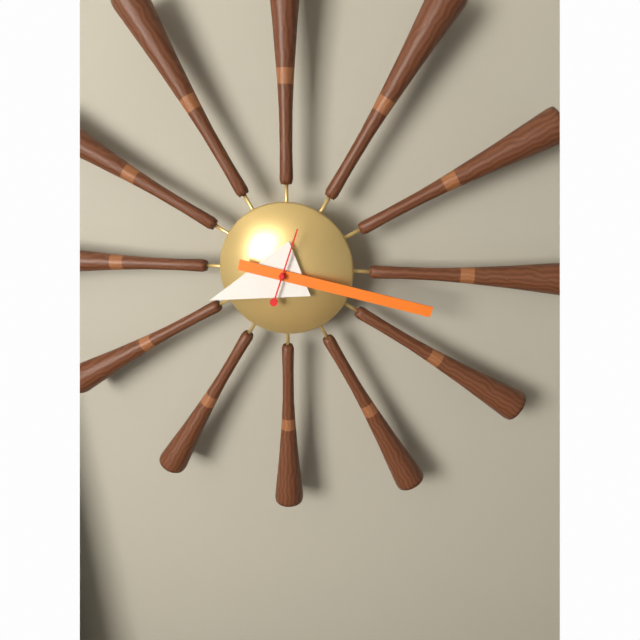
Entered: 8.17
